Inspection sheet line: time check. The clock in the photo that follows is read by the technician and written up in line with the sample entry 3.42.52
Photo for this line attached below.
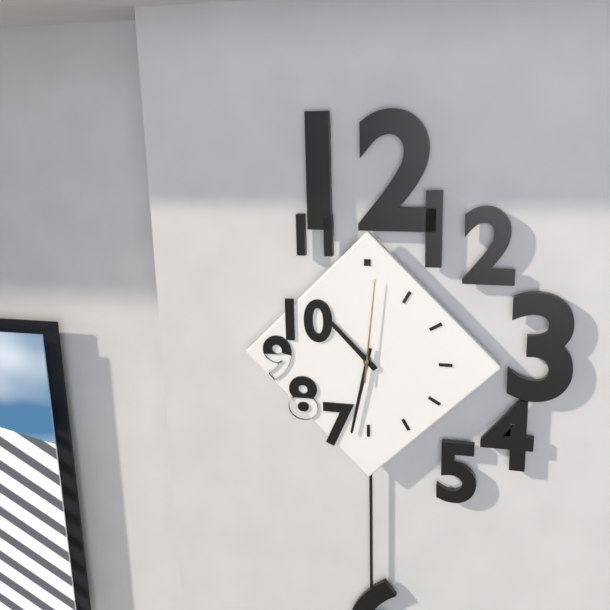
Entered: 10.32.01
